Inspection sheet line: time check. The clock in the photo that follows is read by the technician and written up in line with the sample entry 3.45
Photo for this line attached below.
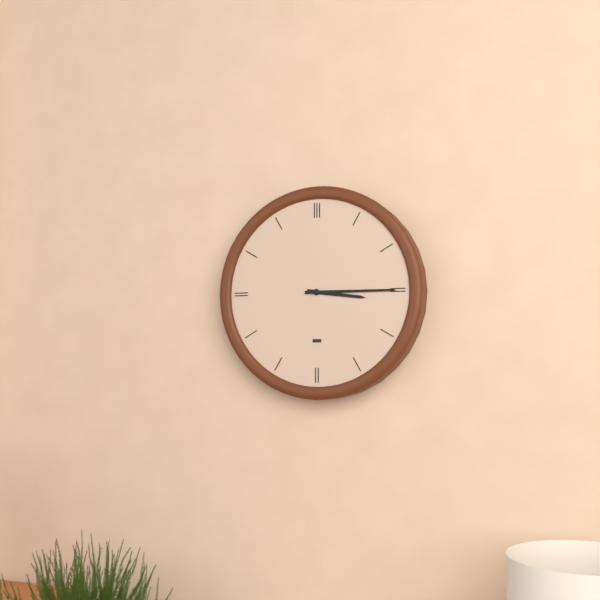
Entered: 3.15
